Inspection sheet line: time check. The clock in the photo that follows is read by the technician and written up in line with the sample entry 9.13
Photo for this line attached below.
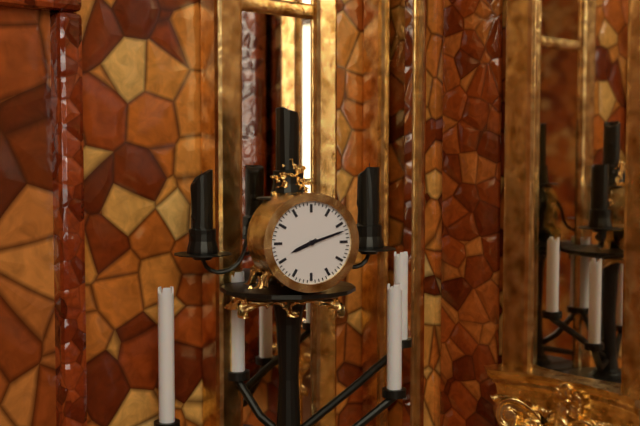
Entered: 8.12
